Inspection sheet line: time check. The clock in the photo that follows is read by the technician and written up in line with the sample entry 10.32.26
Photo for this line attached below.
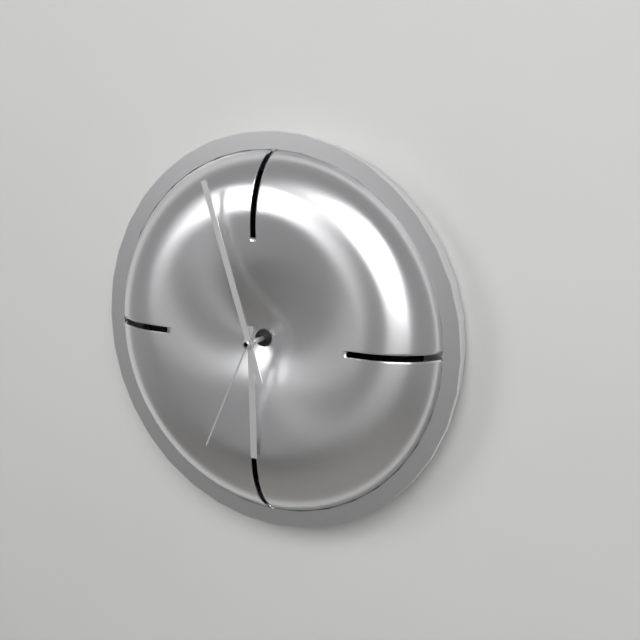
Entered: 5.57.34
